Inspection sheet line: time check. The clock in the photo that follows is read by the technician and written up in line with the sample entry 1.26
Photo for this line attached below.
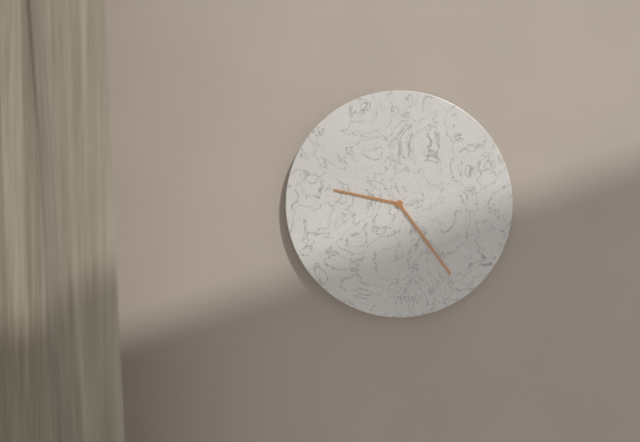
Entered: 9.24
